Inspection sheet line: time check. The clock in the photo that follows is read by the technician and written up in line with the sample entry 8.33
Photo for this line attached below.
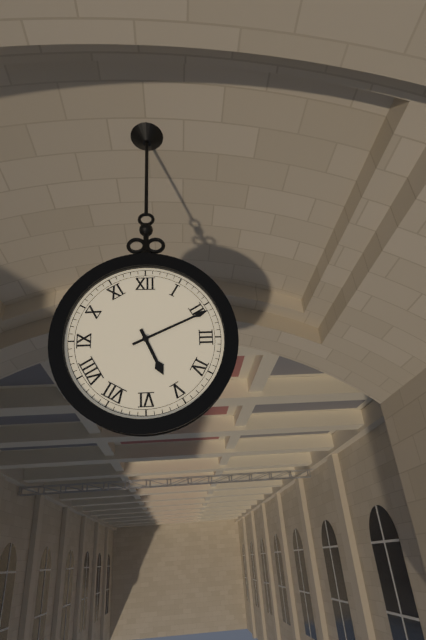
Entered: 5.11
